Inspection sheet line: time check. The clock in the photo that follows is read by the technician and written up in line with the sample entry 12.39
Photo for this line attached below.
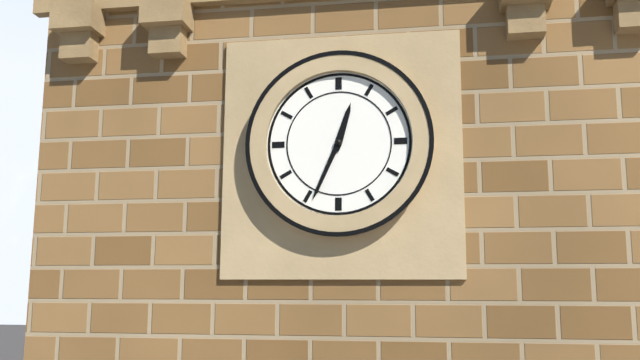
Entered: 12.34
